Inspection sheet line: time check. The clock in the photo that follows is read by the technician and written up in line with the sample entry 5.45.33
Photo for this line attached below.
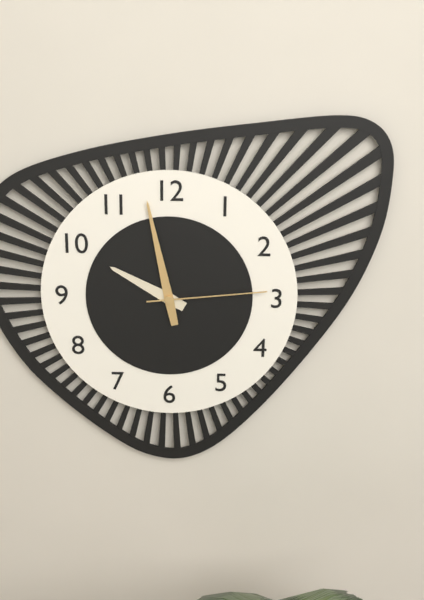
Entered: 9.58.14
